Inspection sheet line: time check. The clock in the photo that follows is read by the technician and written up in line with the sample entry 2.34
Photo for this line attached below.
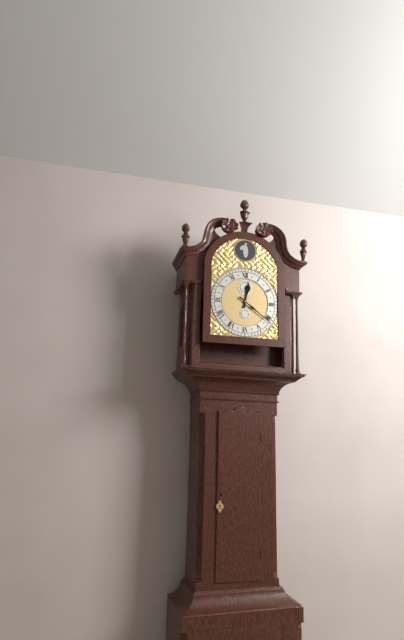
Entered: 12.21
